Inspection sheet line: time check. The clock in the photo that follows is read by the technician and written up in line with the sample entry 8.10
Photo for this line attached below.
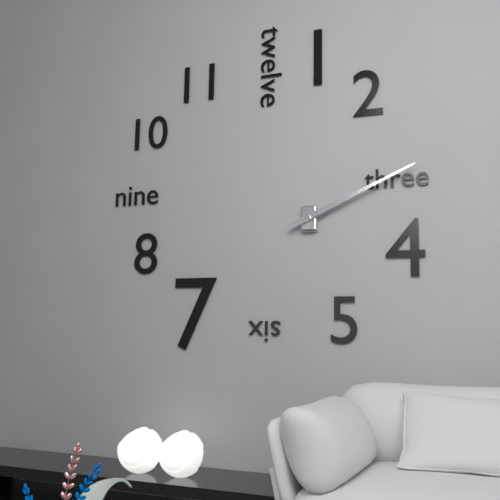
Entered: 2.11
